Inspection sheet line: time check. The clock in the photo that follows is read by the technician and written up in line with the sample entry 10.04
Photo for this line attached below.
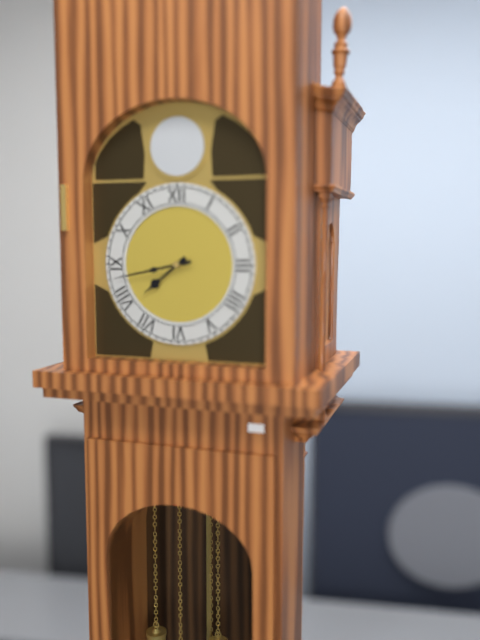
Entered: 7.43
